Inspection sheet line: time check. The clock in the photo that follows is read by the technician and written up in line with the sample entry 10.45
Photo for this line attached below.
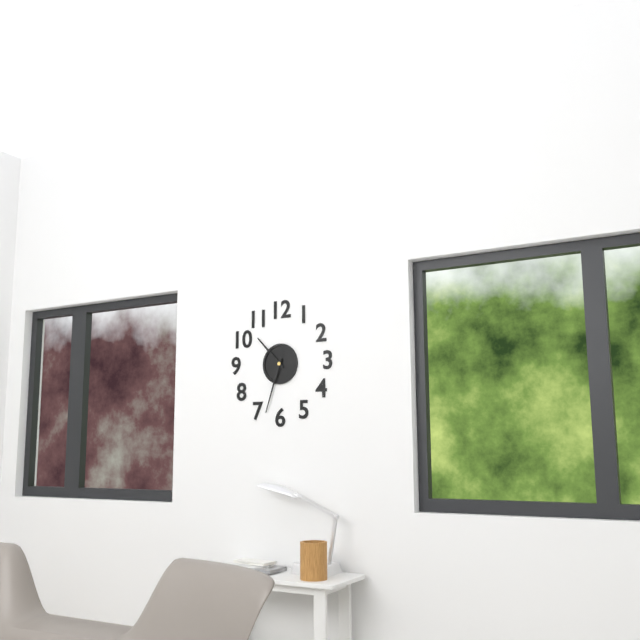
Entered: 10.33
